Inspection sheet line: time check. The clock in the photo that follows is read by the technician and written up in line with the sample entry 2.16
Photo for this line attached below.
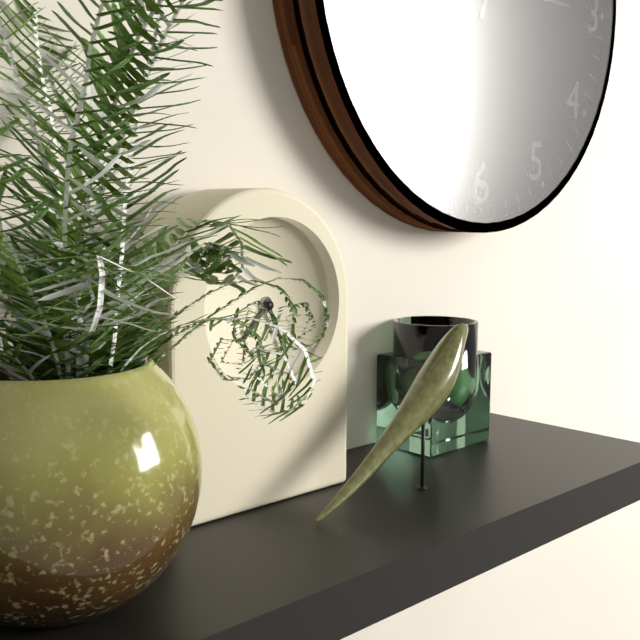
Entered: 7.26
